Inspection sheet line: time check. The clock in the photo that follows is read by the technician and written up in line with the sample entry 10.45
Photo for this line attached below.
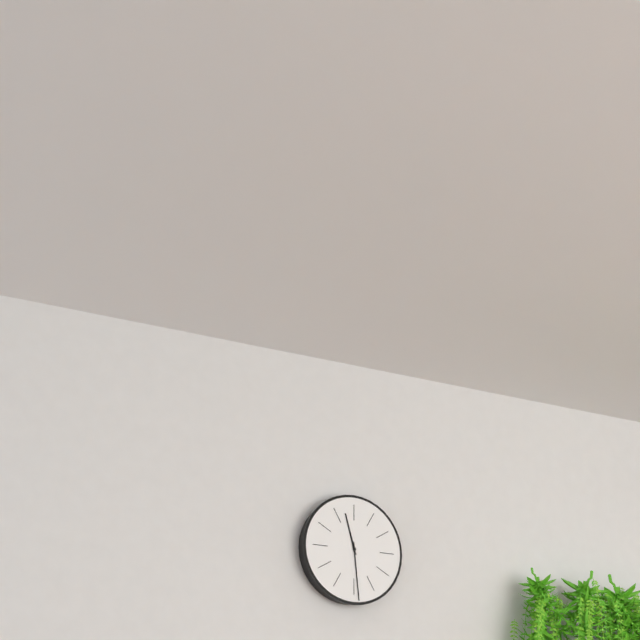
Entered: 11.29
